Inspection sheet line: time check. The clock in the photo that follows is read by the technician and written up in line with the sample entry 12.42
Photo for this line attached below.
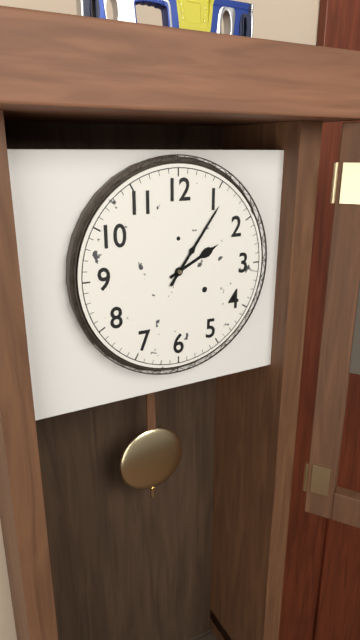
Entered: 2.06
